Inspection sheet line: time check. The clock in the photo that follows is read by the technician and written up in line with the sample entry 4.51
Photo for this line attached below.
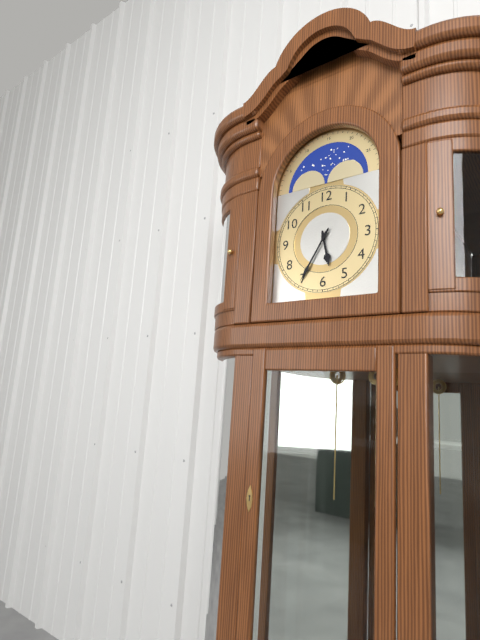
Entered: 5.35
